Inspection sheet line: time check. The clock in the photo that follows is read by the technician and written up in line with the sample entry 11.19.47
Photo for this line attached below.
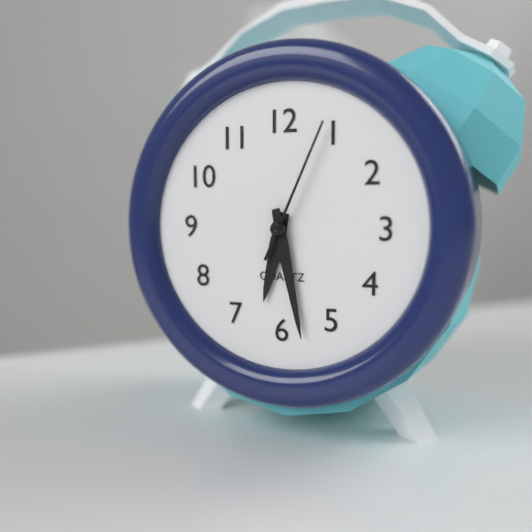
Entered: 6.28.04
